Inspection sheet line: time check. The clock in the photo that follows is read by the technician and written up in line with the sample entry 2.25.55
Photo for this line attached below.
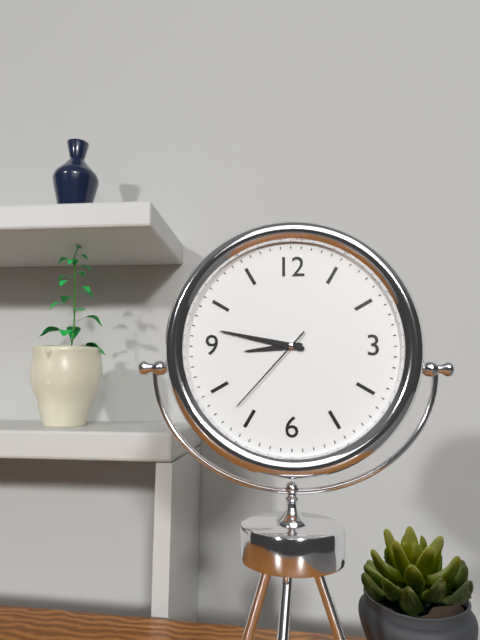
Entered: 8.47.37
